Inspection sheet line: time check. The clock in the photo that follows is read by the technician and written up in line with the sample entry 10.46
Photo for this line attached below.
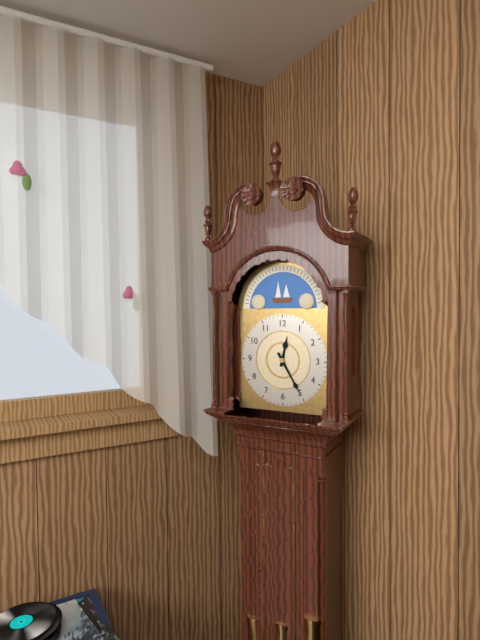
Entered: 12.25
